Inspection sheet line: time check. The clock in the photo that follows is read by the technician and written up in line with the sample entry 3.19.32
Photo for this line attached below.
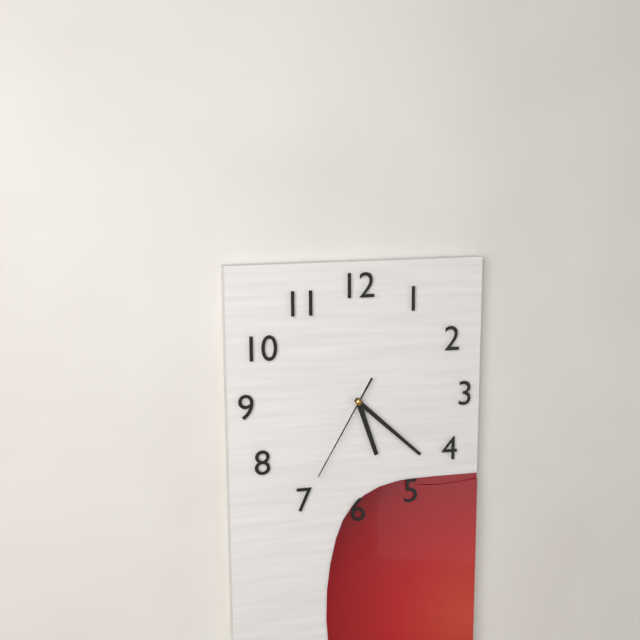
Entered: 5.22.35
